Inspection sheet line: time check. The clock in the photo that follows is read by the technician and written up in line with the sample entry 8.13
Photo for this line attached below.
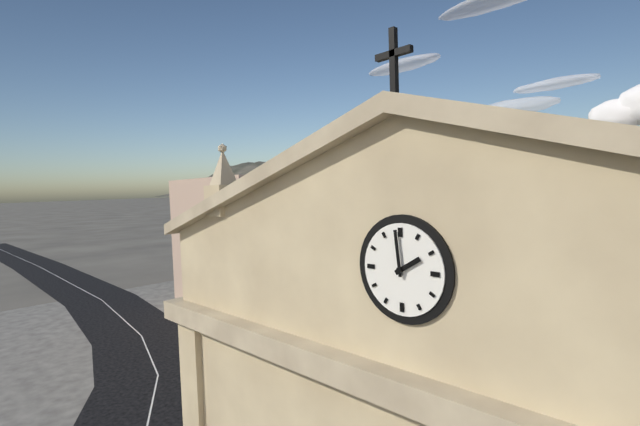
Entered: 1.59
